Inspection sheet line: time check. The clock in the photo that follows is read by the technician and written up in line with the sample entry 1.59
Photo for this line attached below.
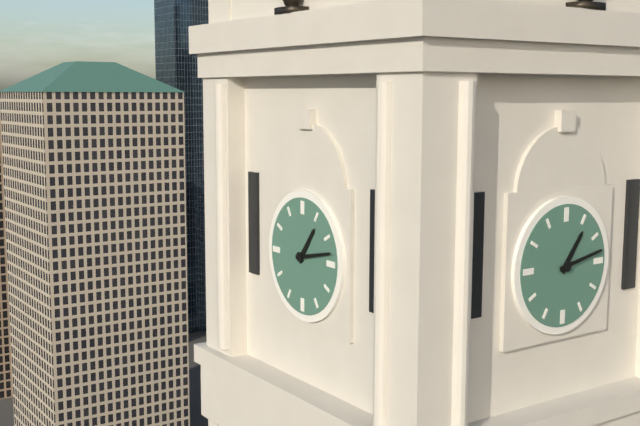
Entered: 1.13
